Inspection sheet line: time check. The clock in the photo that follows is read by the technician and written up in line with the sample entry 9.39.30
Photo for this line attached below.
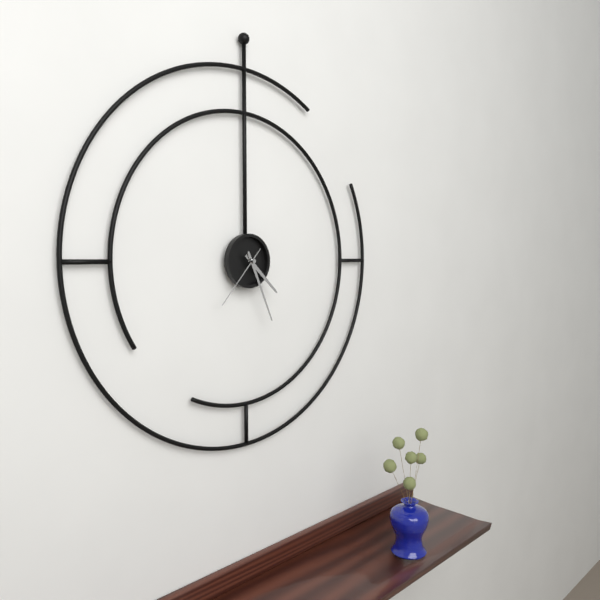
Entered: 4.26.37
